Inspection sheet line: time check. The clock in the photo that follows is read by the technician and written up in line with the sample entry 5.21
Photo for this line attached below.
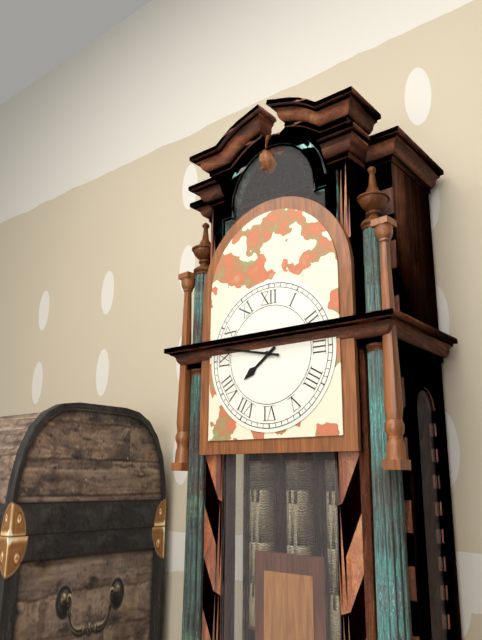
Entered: 7.47
